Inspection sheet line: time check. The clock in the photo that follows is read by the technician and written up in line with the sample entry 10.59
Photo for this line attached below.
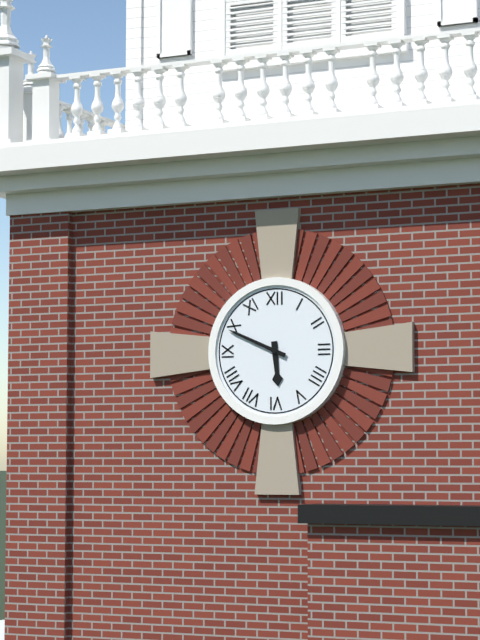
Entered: 5.49
